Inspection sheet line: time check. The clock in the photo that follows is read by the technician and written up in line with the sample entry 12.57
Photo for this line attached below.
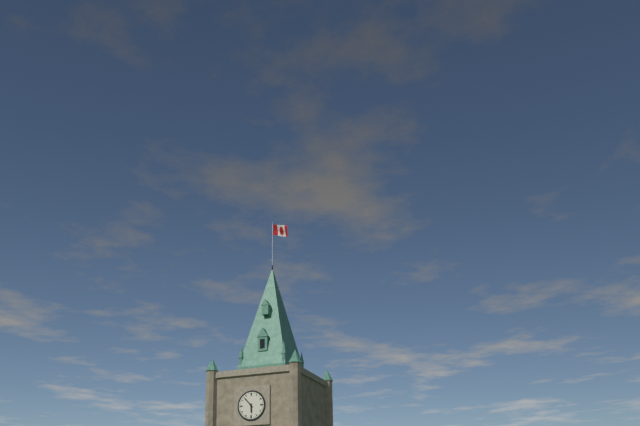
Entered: 5.53
